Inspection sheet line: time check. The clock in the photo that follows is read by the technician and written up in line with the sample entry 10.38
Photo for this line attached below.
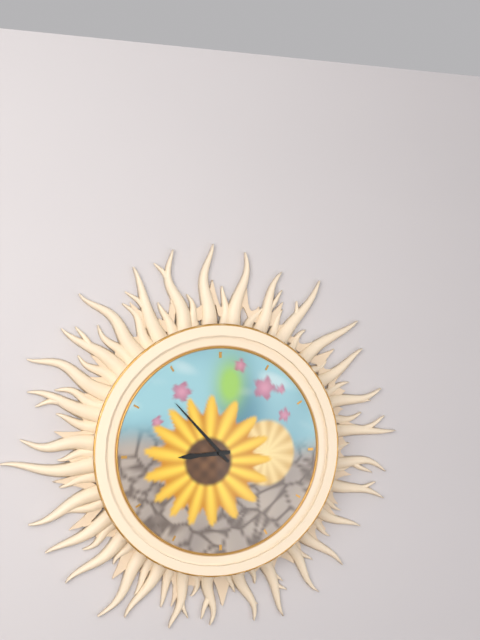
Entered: 8.53
